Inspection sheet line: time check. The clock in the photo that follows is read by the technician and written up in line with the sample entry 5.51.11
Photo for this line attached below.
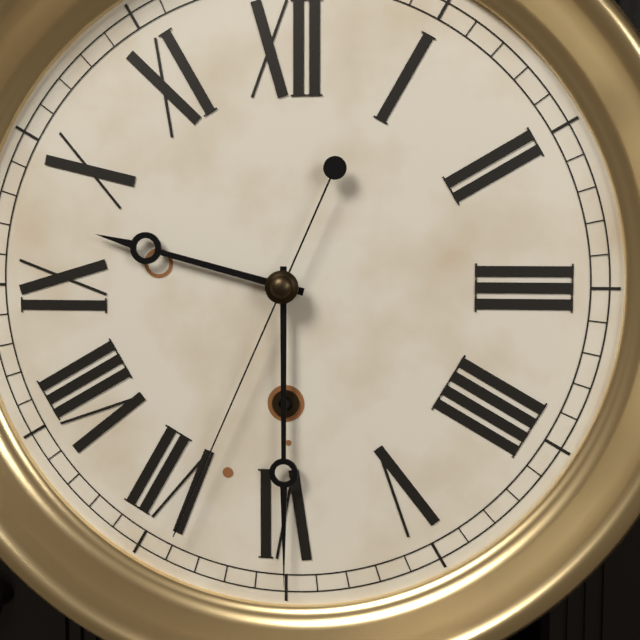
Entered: 9.30.34
